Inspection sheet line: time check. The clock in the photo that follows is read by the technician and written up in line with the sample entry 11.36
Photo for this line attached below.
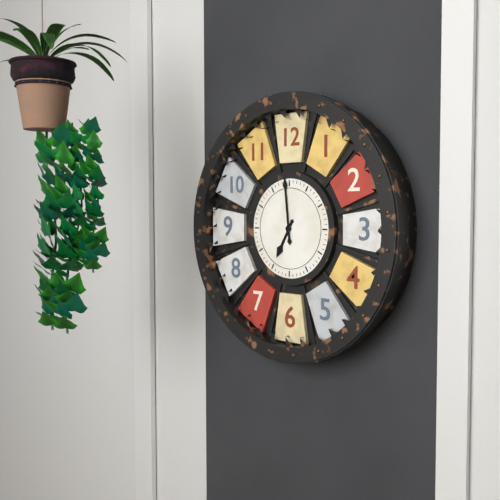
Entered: 6.59
